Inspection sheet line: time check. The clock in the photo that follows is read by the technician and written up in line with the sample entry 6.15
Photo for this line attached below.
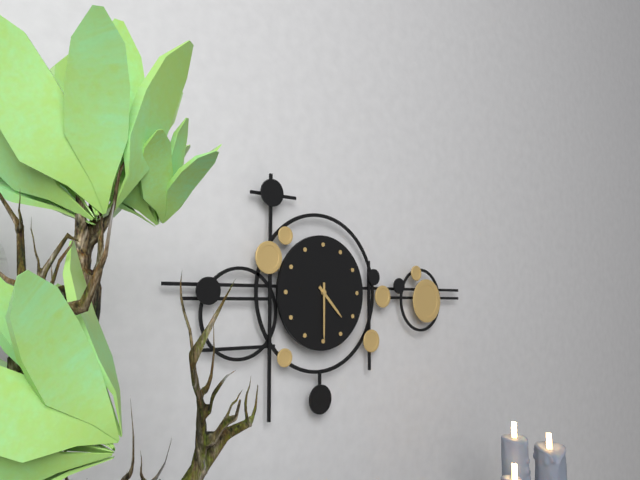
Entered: 4.30
